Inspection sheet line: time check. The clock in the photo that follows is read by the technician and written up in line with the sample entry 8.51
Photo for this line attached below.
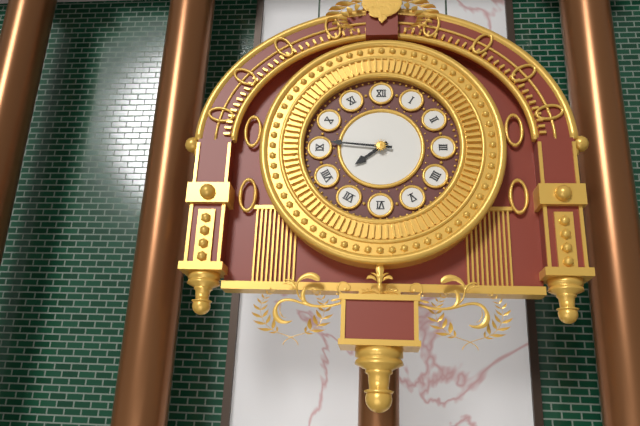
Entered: 7.46
